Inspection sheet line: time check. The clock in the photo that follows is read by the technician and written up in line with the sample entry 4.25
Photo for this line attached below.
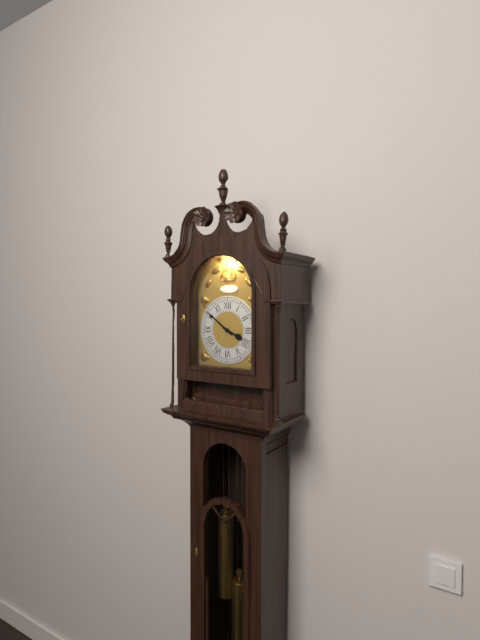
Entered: 3.51
